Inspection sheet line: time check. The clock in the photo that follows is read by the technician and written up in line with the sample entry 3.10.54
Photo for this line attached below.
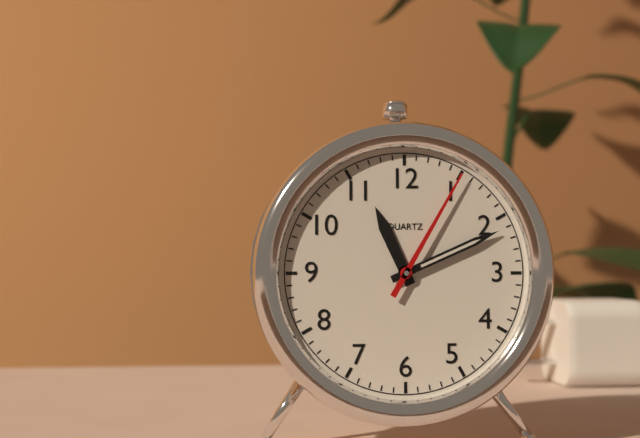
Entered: 11.11.05
